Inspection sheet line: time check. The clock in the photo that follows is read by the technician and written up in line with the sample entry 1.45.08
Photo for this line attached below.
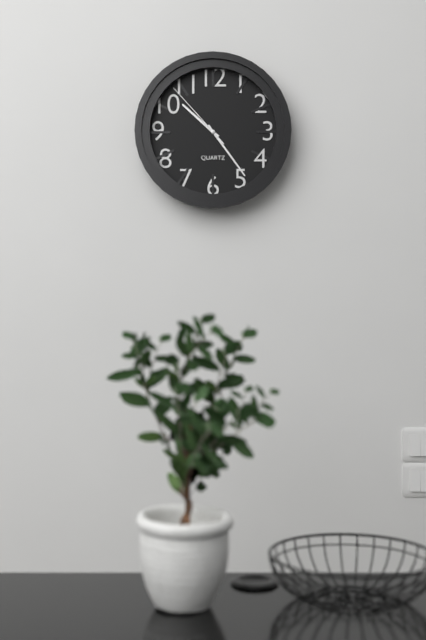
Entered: 10.24.53
